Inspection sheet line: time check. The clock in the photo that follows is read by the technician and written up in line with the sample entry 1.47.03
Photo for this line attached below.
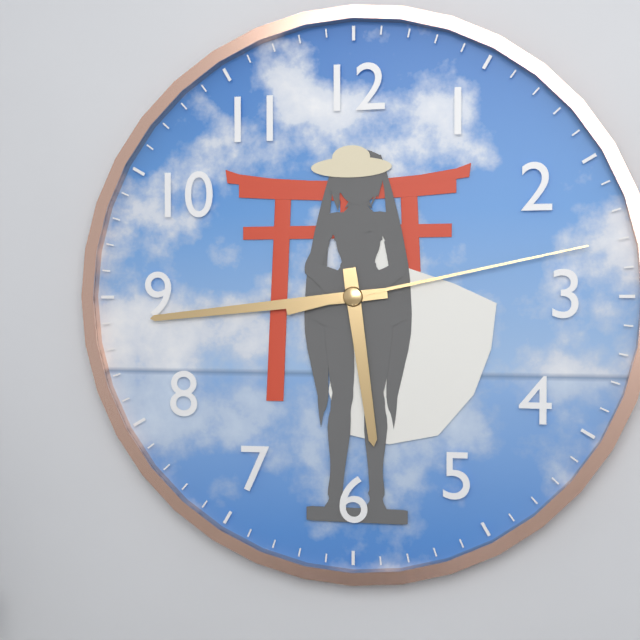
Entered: 5.44.13
